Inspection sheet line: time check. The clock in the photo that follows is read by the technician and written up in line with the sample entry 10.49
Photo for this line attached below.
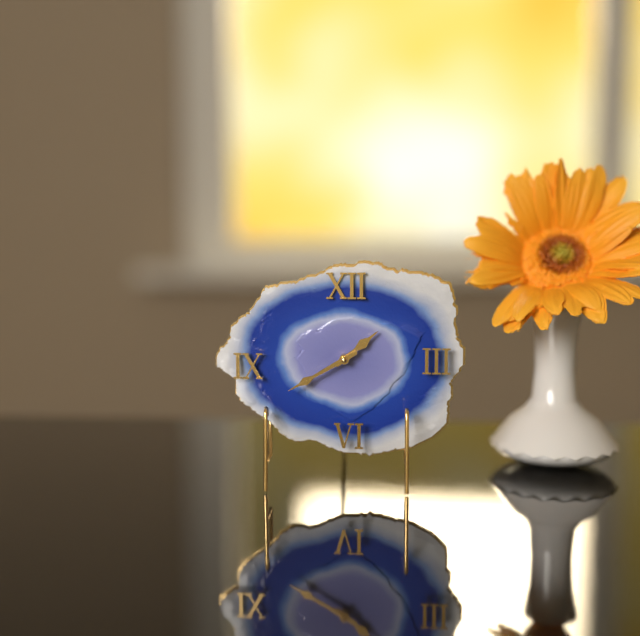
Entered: 1.40
